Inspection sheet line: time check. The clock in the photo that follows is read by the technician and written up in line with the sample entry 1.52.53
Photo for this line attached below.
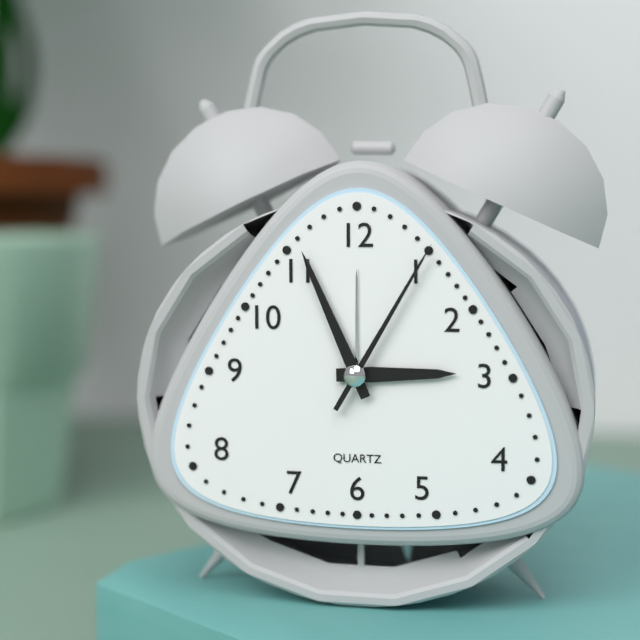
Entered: 2.56.05
